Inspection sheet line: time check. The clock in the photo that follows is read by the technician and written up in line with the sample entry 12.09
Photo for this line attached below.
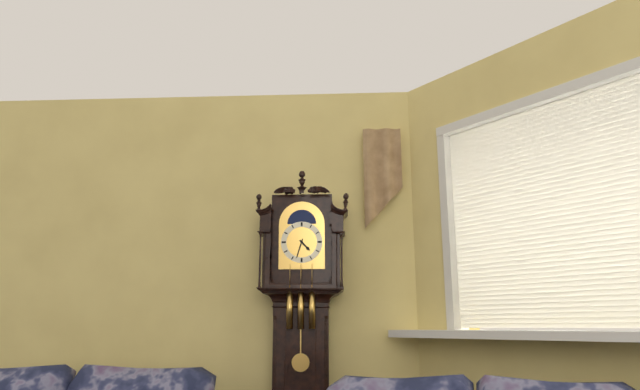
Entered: 4.33
